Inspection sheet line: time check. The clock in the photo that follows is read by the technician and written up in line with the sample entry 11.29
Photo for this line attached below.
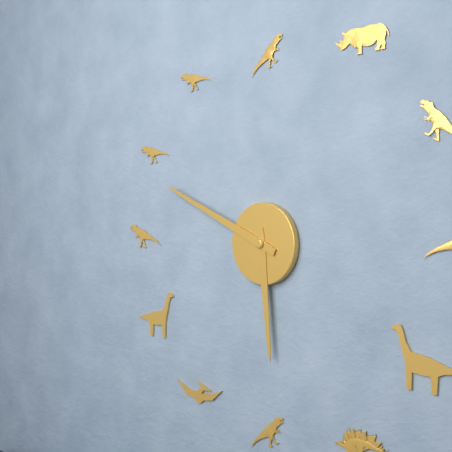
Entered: 5.49
